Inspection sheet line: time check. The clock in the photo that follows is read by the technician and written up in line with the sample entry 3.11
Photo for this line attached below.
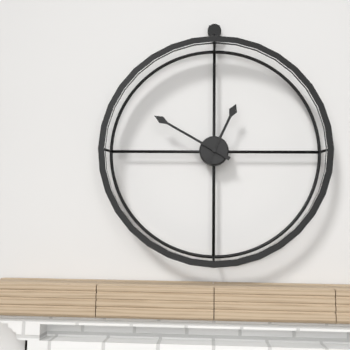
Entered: 12.50
